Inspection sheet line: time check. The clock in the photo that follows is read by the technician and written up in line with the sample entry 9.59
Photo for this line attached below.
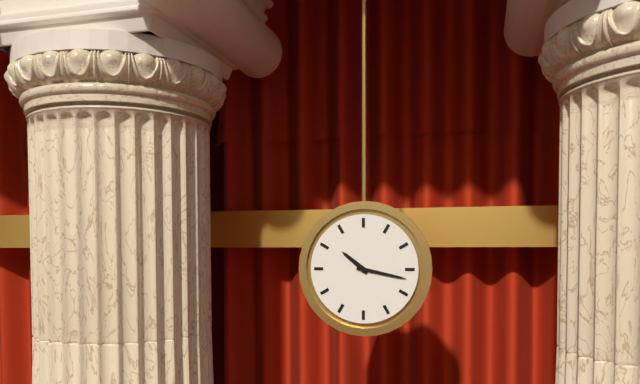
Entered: 10.17
